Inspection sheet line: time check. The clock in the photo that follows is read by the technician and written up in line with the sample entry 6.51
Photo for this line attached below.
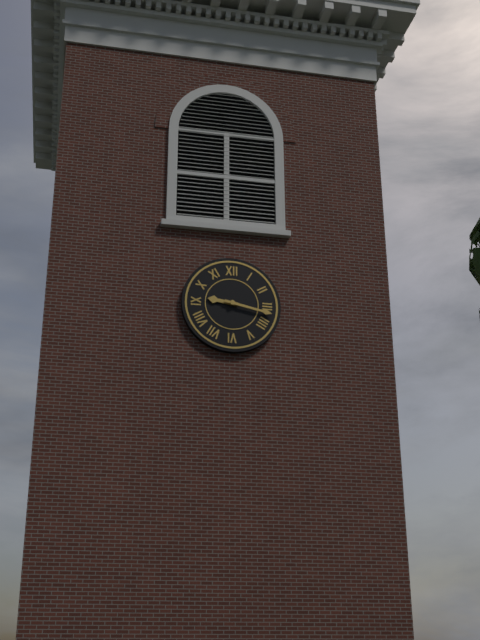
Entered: 9.17
